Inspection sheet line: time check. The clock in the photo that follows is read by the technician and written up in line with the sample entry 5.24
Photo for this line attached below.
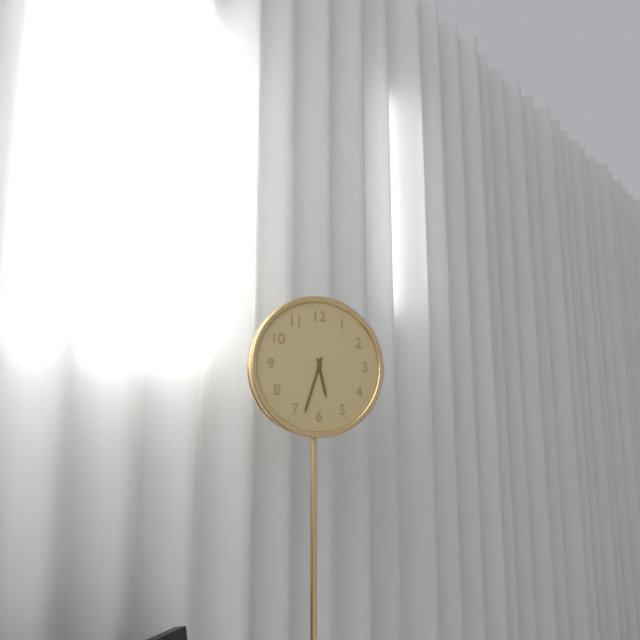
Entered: 5.33
